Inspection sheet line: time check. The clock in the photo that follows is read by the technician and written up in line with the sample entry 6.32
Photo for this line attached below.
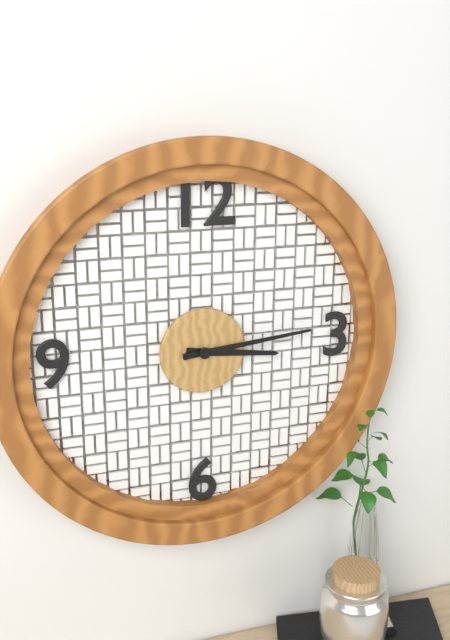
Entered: 3.14
